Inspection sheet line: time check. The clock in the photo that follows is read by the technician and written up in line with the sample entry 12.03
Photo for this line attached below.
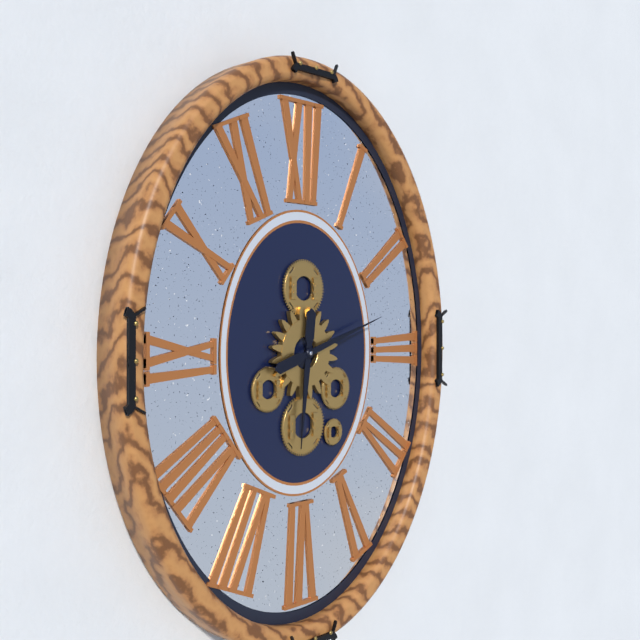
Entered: 6.12
